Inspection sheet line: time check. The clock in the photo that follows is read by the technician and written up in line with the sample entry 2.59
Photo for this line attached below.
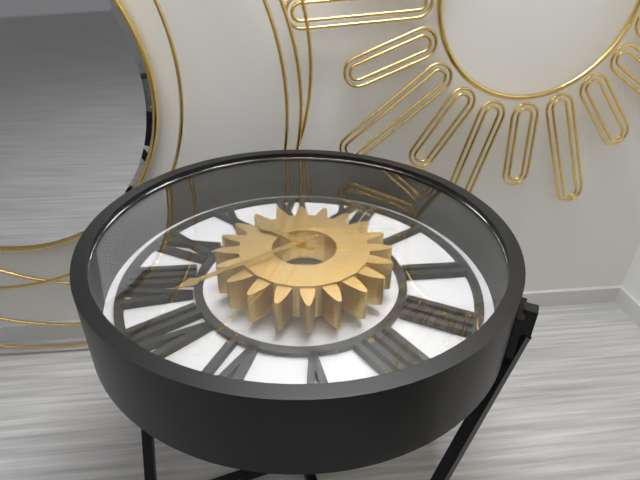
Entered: 9.35
